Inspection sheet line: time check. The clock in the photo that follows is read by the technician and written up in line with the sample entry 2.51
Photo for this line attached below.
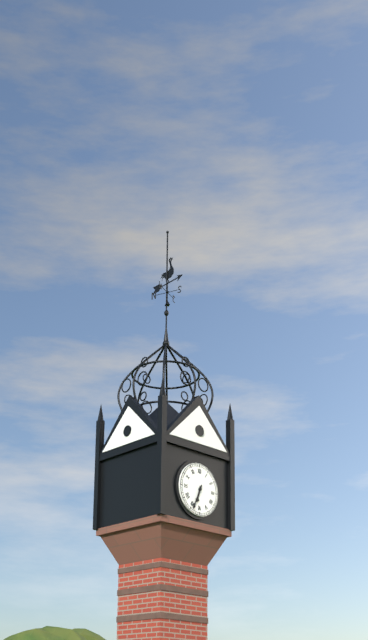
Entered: 6.34
